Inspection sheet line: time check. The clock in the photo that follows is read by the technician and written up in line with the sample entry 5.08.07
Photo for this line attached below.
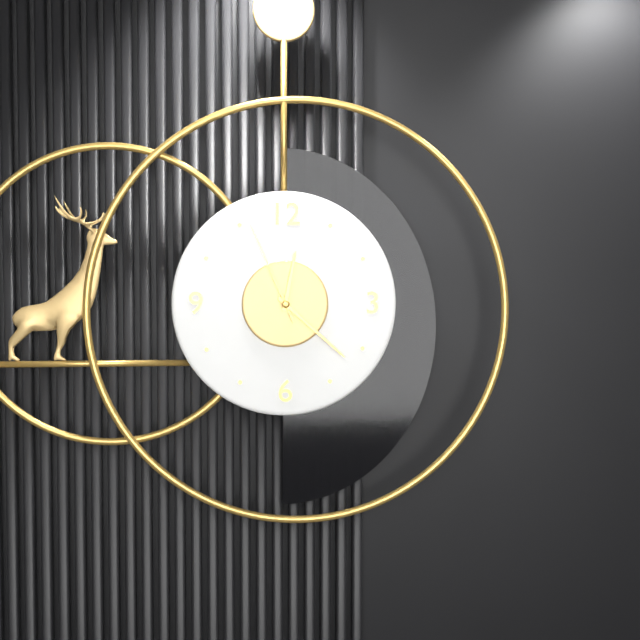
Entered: 12.22.56
